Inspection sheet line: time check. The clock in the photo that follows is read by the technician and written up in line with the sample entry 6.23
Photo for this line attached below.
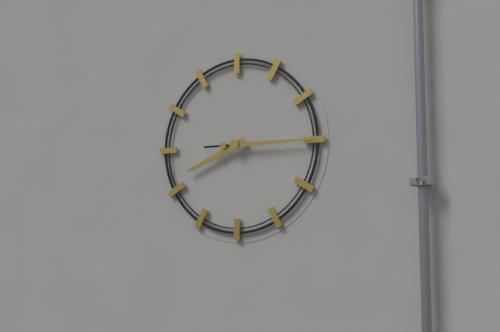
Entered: 8.15
